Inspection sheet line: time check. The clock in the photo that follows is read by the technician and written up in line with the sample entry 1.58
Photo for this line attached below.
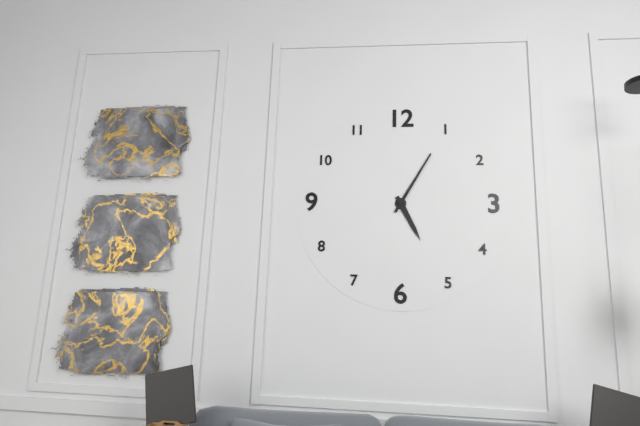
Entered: 5.05
